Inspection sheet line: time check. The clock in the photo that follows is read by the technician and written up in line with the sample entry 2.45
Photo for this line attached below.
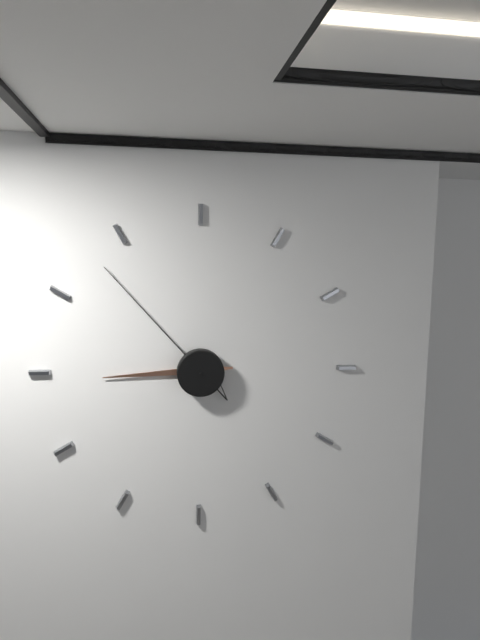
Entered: 8.53
